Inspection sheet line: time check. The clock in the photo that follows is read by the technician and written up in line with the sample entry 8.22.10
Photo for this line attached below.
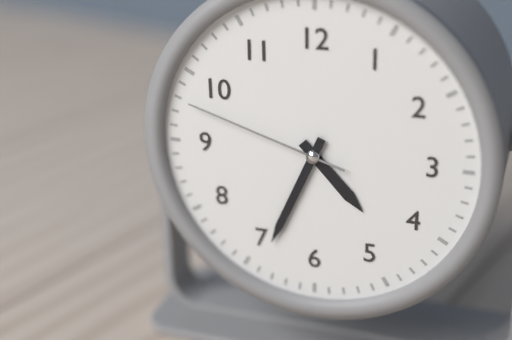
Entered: 4.34.48
